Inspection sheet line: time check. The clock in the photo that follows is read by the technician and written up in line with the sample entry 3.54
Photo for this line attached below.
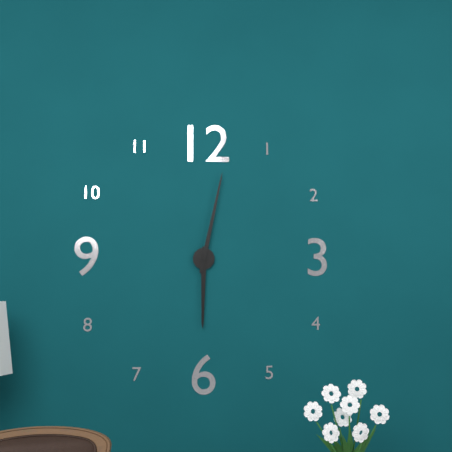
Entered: 6.02
